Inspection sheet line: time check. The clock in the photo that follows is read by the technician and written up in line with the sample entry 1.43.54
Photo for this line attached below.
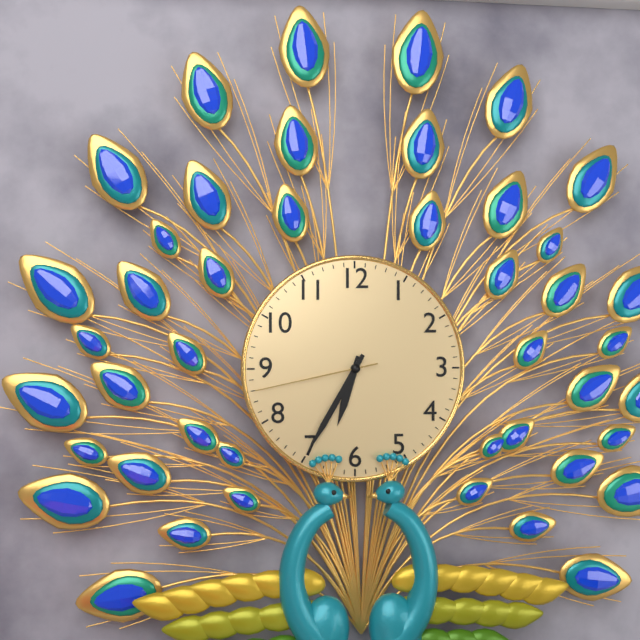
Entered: 6.35.43
